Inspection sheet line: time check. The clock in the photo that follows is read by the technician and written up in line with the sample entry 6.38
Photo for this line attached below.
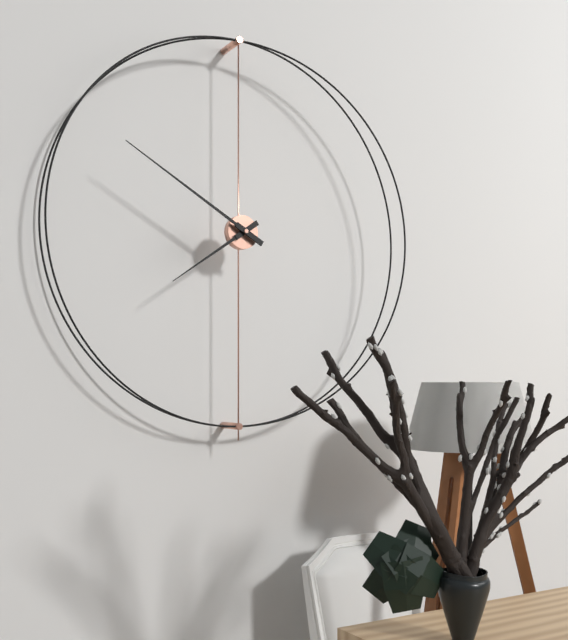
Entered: 7.50
